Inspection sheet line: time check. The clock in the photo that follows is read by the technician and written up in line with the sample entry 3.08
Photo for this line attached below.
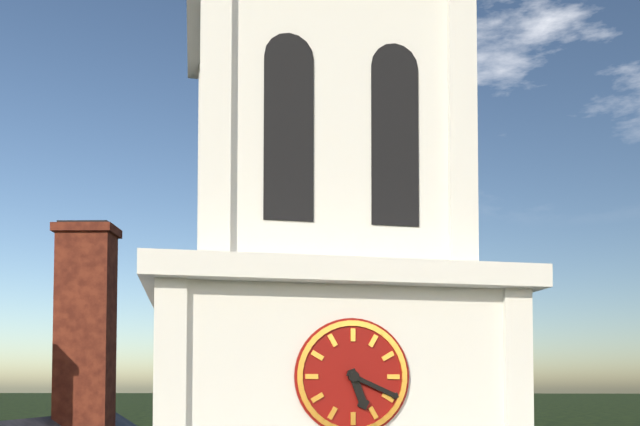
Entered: 5.19
